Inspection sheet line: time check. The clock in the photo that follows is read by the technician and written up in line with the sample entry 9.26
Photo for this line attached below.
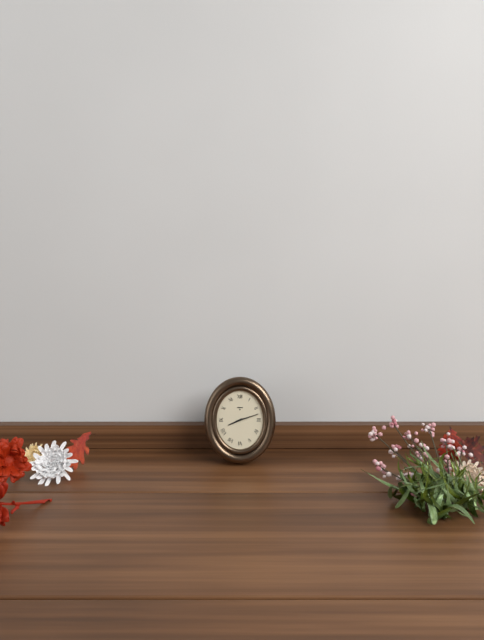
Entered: 8.12
